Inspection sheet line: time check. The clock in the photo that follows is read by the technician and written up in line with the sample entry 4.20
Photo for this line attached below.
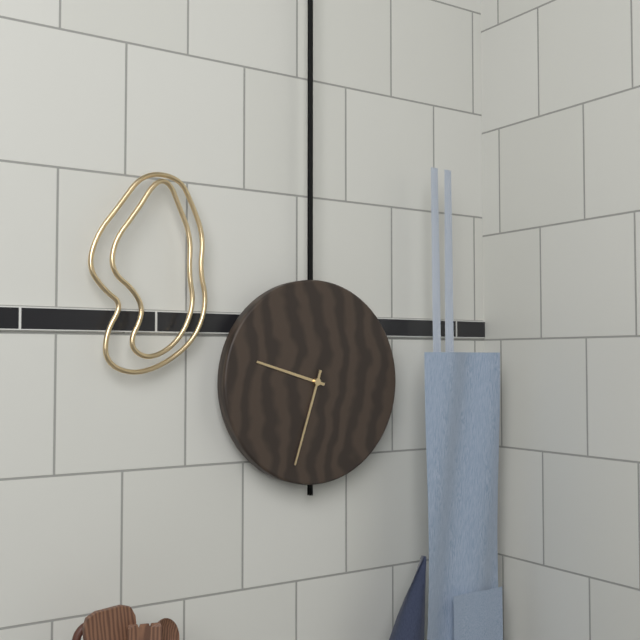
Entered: 9.33
